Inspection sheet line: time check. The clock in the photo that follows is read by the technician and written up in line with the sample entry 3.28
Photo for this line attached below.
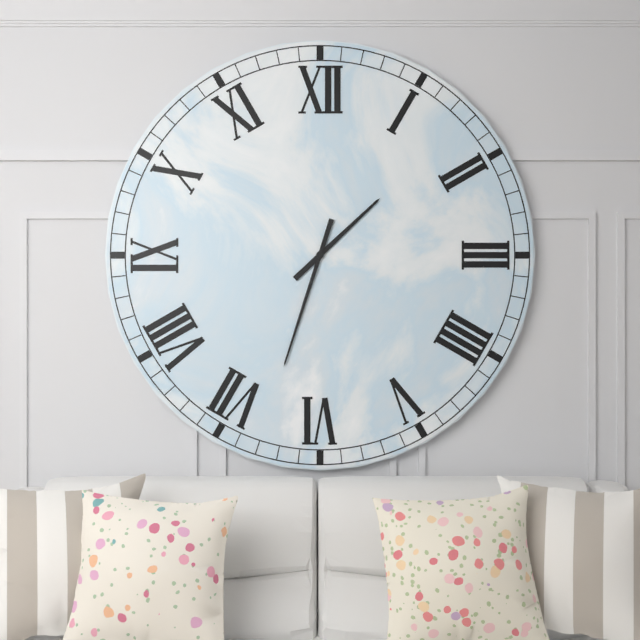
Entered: 1.33
